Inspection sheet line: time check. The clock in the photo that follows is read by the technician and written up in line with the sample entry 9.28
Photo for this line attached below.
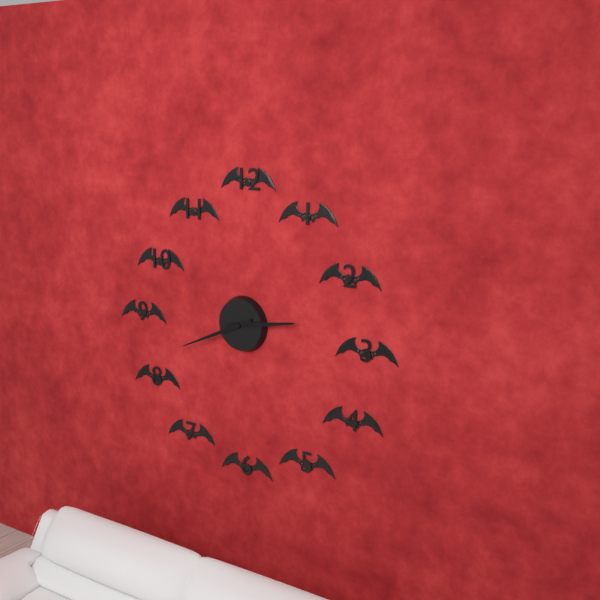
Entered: 2.41
